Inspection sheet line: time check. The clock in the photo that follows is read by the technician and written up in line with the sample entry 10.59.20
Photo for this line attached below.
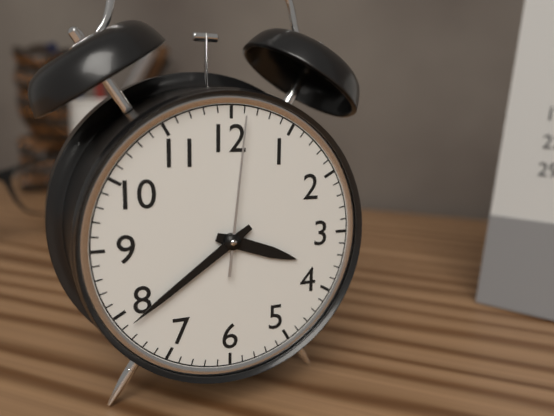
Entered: 3.39.01
